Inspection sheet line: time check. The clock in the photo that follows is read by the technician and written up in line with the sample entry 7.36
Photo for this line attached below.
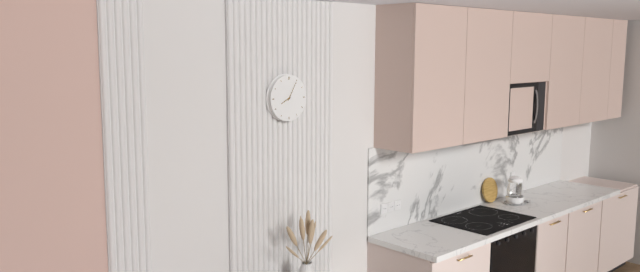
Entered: 8.05
